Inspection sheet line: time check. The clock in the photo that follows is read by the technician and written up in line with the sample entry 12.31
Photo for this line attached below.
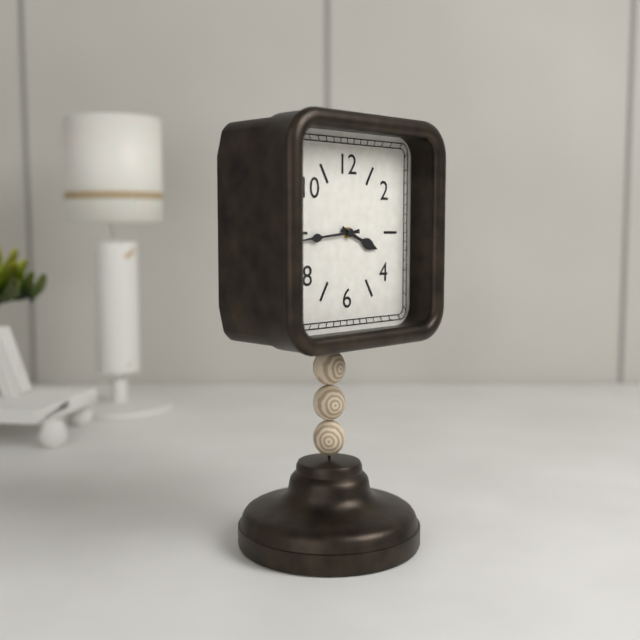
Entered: 3.44
